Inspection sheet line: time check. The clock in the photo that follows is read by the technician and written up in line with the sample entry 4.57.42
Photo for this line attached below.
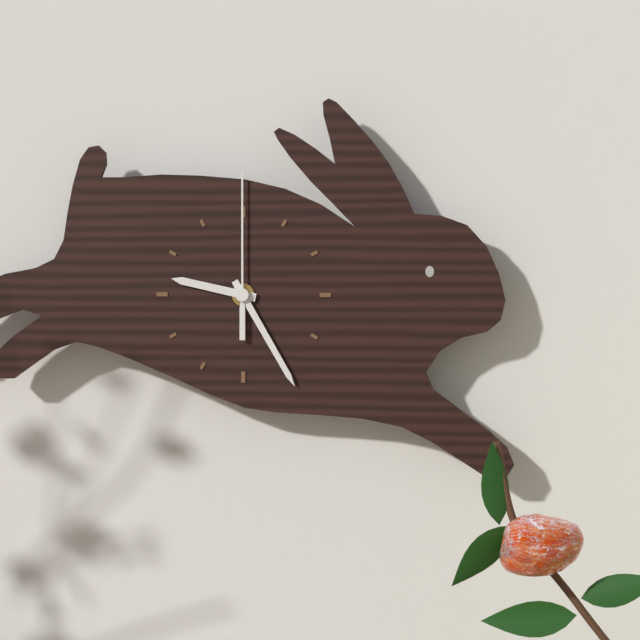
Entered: 9.25.00
